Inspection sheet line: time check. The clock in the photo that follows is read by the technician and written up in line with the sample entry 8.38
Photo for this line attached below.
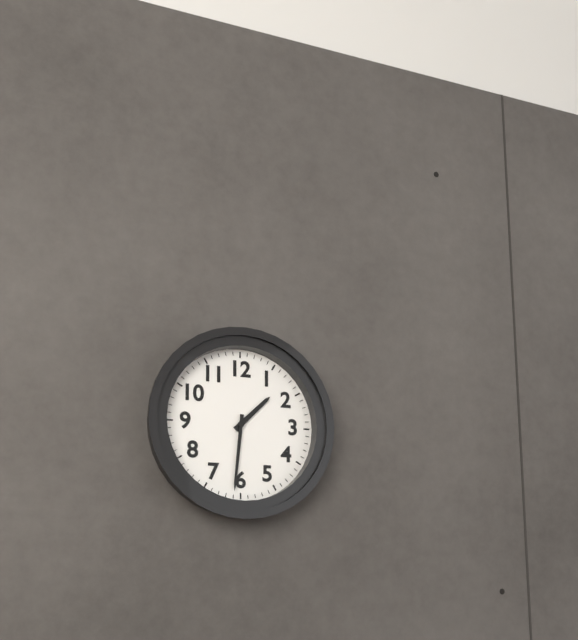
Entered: 1.31
